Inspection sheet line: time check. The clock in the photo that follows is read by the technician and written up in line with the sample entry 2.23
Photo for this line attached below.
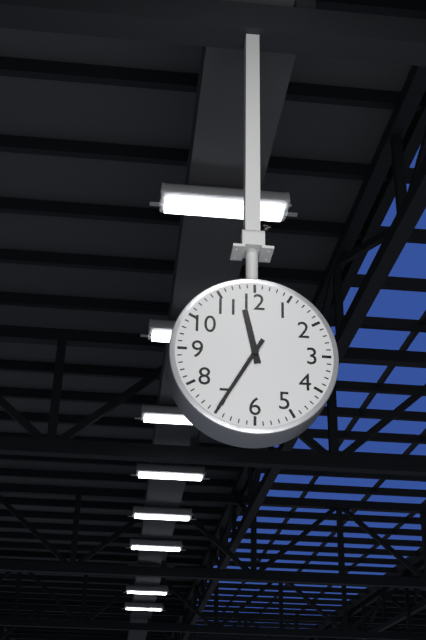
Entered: 11.35
